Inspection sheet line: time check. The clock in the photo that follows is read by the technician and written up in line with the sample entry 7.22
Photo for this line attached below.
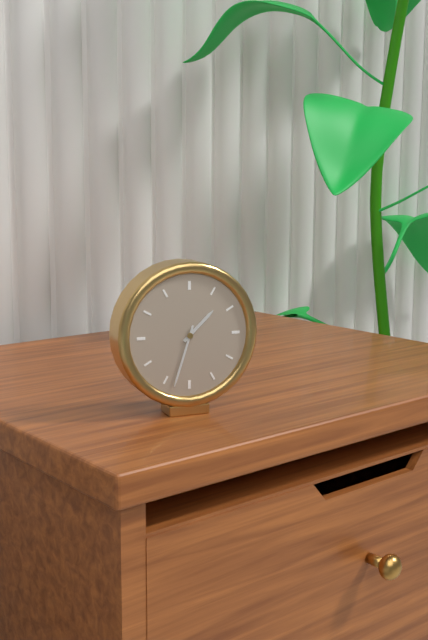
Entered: 1.33
